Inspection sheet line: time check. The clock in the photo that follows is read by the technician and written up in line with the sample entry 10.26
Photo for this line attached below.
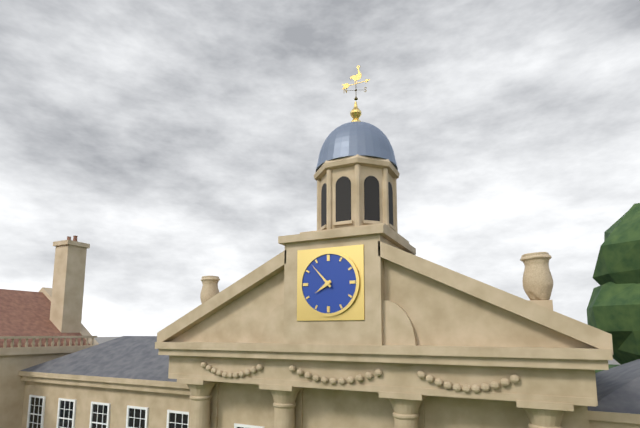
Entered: 7.53
